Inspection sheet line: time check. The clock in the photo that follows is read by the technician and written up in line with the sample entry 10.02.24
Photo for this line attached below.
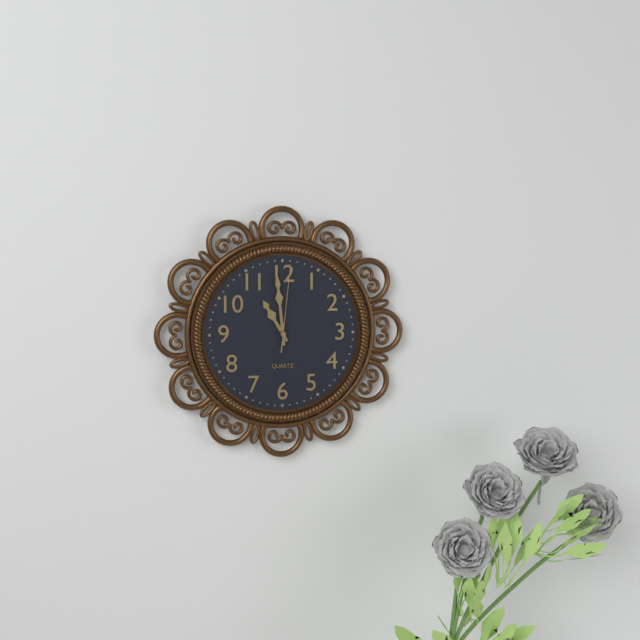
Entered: 10.59.01
